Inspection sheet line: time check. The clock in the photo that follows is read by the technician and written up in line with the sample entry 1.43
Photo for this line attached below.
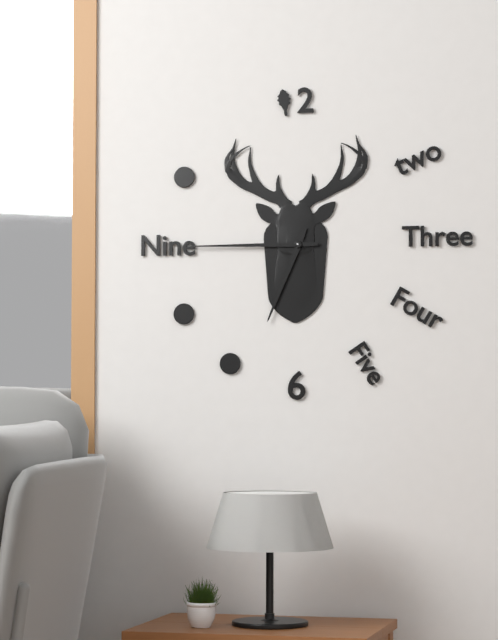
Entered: 6.45
